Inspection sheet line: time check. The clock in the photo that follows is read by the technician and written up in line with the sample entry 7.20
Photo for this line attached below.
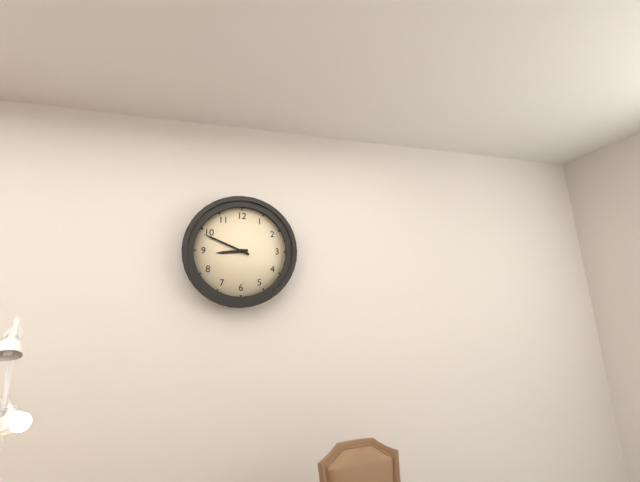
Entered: 8.49
